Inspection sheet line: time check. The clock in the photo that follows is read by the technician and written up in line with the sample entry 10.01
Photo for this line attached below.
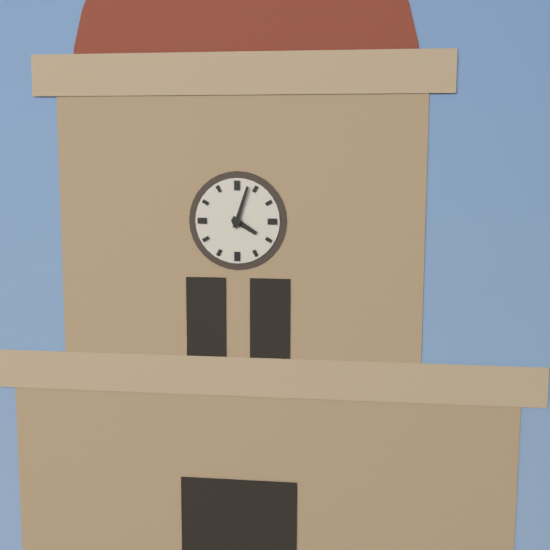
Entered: 4.03
